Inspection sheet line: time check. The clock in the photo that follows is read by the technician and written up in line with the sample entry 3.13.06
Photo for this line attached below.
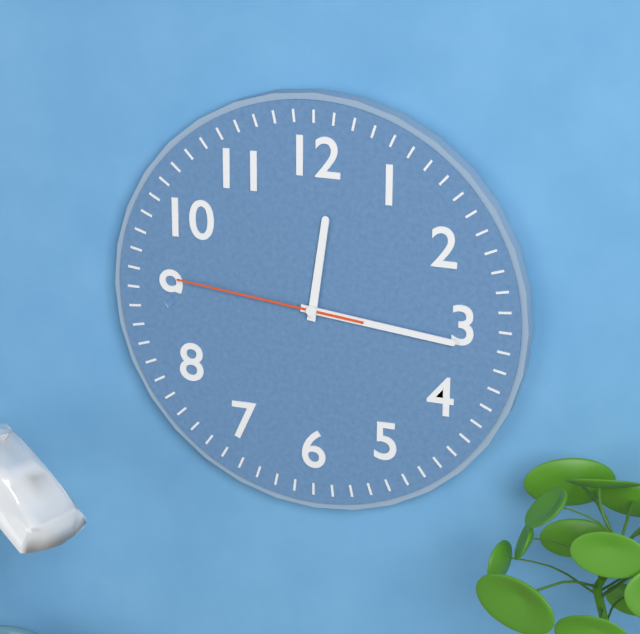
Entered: 12.16.46
